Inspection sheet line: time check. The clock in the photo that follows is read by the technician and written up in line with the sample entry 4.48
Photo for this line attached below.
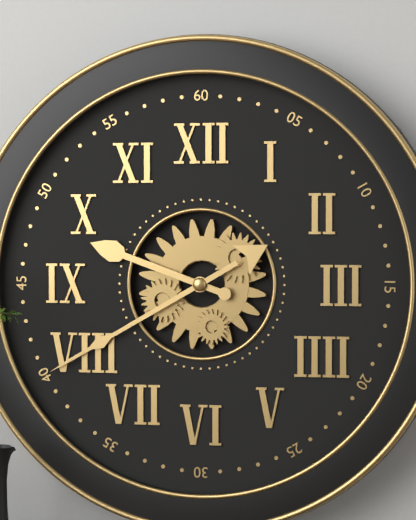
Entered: 9.40
